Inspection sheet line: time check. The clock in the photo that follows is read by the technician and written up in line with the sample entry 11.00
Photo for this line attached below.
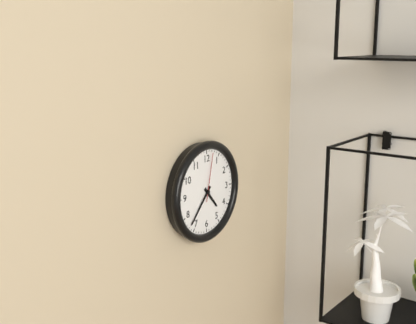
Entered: 4.37
